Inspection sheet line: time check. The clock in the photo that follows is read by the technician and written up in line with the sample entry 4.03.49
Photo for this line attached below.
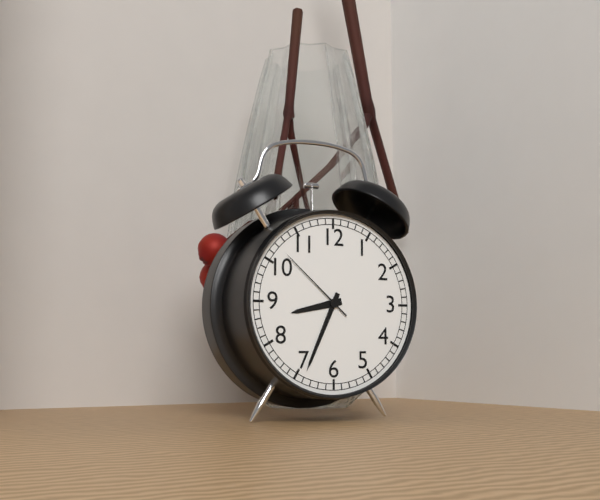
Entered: 8.34.52
